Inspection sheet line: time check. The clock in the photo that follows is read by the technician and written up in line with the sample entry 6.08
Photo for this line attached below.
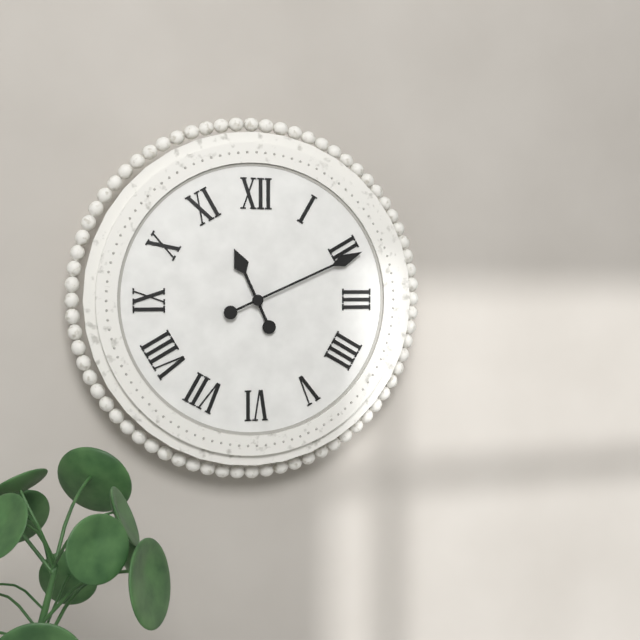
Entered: 11.11
